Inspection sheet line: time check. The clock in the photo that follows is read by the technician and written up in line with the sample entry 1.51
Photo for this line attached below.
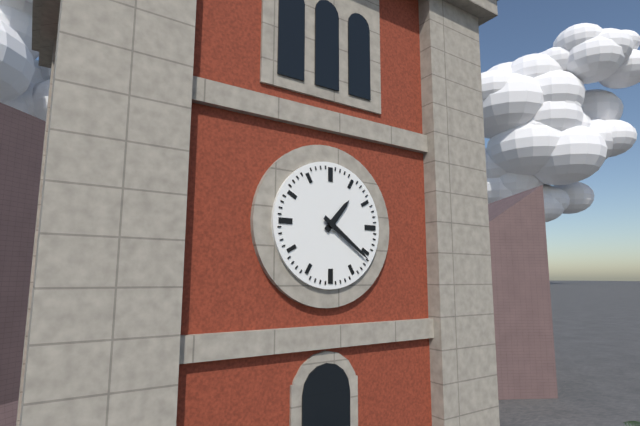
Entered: 1.21
